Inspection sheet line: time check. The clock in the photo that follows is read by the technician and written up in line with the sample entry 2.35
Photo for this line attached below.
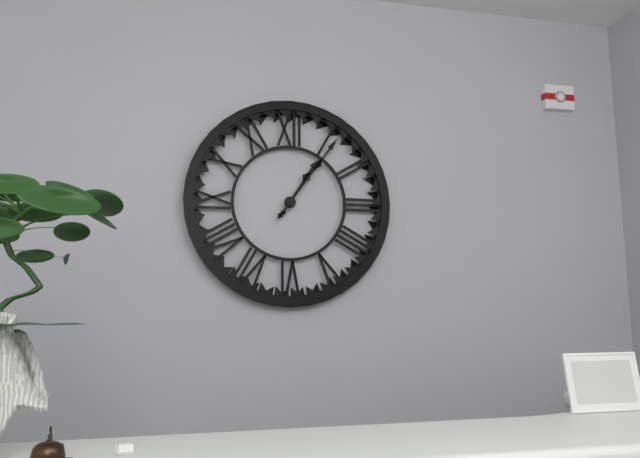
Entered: 1.06
